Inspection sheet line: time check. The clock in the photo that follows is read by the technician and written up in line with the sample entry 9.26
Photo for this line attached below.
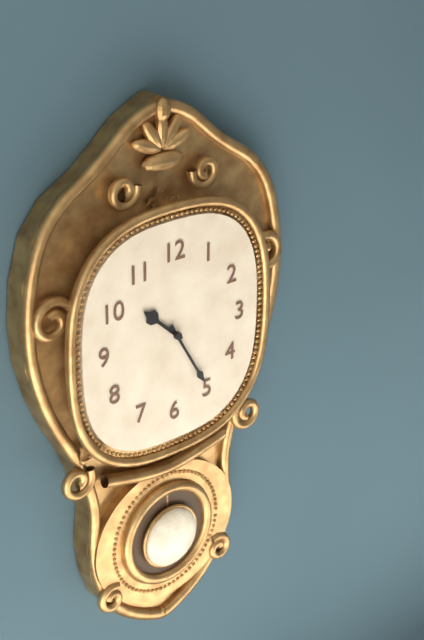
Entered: 10.25
